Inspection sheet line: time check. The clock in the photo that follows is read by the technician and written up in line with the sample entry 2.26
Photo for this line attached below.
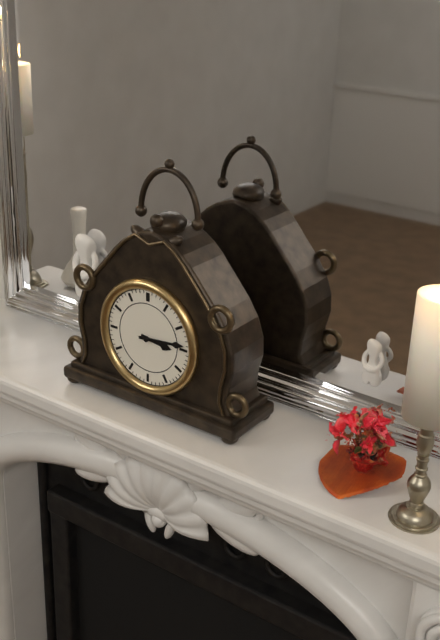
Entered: 3.14
